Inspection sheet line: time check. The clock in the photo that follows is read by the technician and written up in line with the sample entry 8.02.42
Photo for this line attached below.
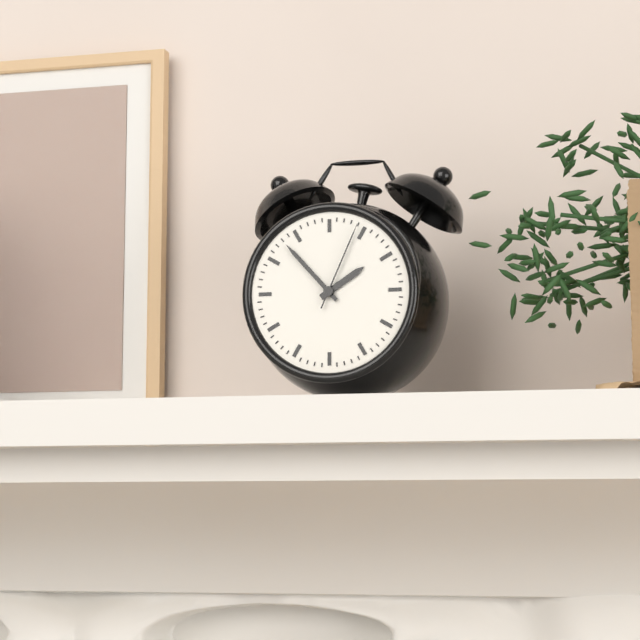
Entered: 1.53.04
